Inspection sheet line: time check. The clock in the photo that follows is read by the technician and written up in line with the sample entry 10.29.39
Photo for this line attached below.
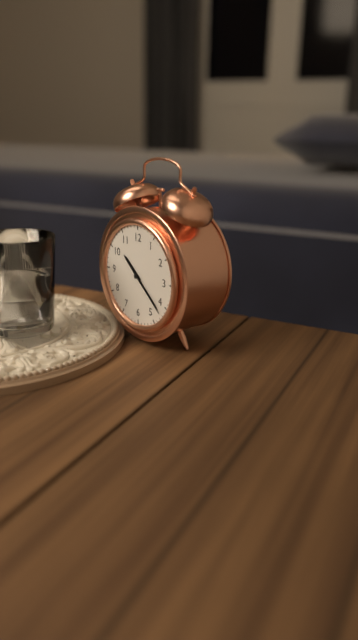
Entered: 10.22.22
